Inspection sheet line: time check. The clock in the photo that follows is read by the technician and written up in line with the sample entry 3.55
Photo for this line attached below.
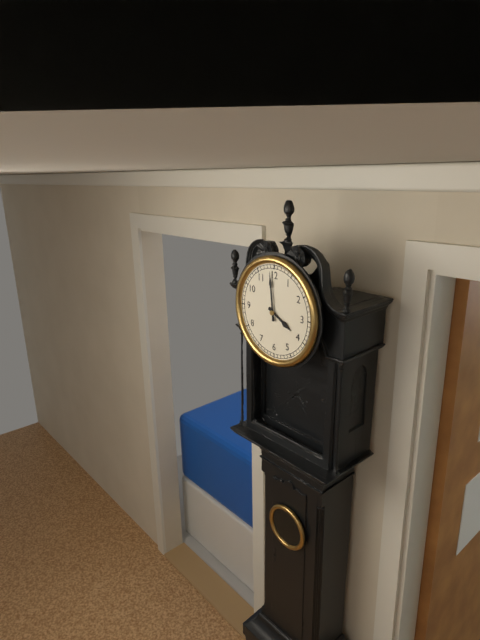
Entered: 3.59
